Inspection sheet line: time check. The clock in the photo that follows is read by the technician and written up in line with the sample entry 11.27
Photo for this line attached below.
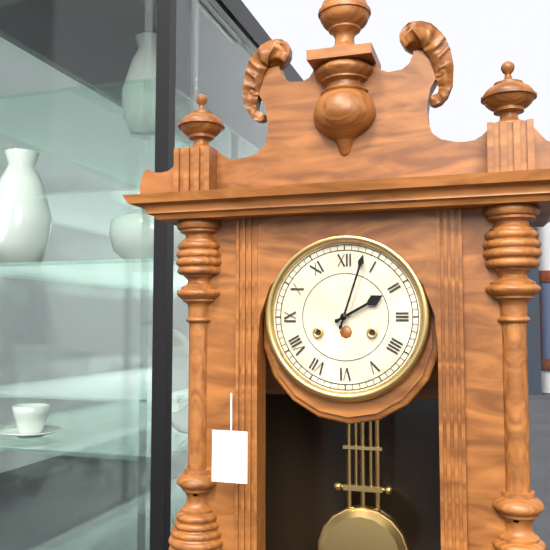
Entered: 2.03
